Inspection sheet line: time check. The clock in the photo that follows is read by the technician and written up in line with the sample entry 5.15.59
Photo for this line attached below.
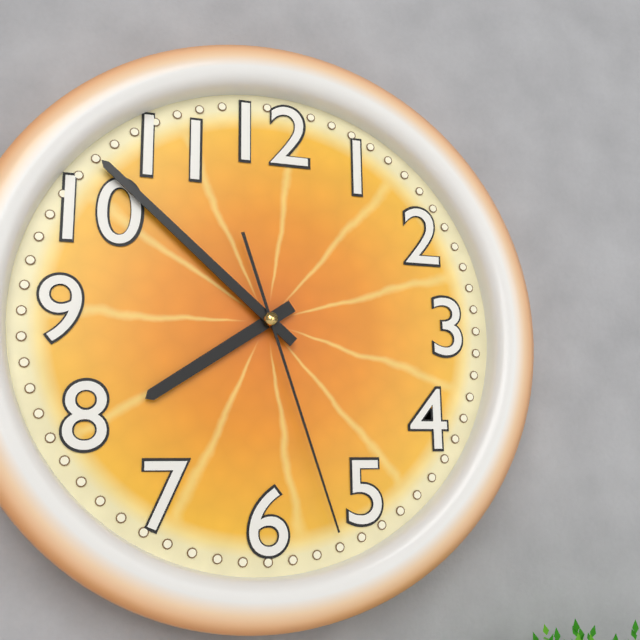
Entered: 7.52.27
